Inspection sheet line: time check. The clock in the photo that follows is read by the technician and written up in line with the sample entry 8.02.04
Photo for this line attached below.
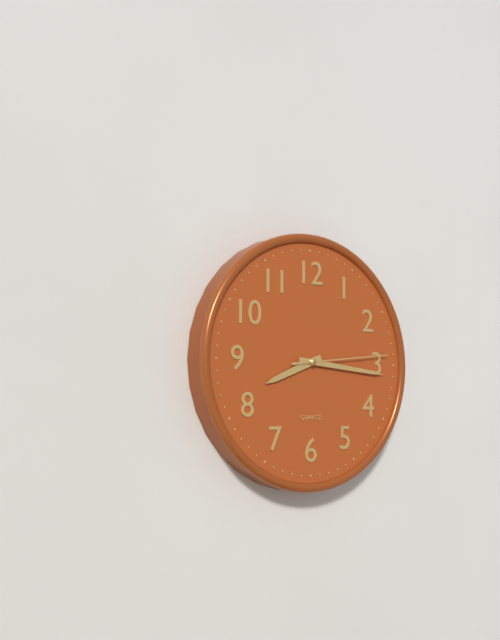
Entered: 8.16.14
